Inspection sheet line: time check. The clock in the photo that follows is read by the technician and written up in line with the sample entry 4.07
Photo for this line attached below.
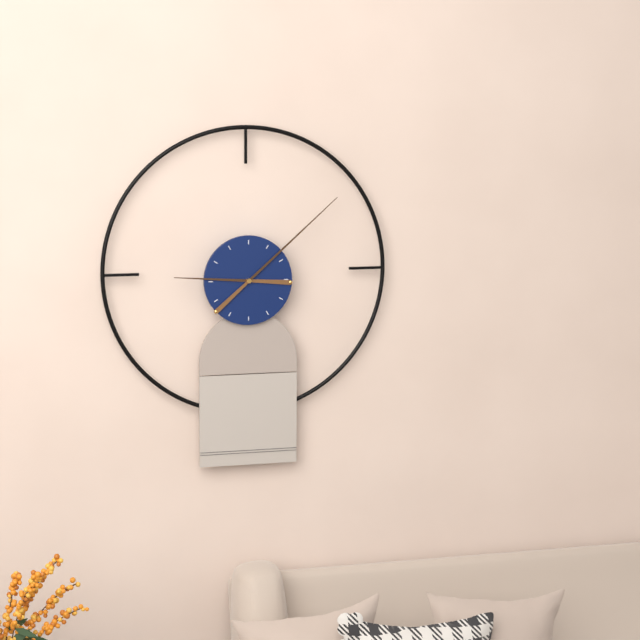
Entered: 9.08
